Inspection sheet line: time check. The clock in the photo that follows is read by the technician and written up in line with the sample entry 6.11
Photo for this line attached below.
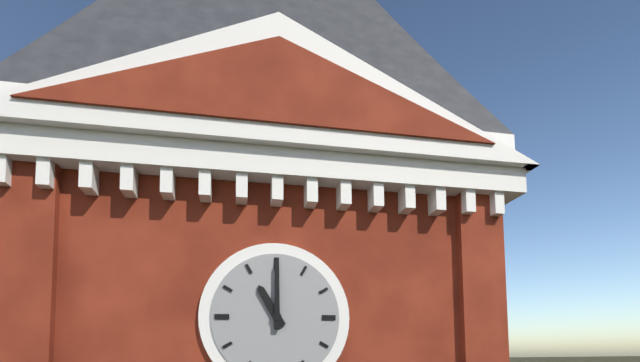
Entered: 11.00
